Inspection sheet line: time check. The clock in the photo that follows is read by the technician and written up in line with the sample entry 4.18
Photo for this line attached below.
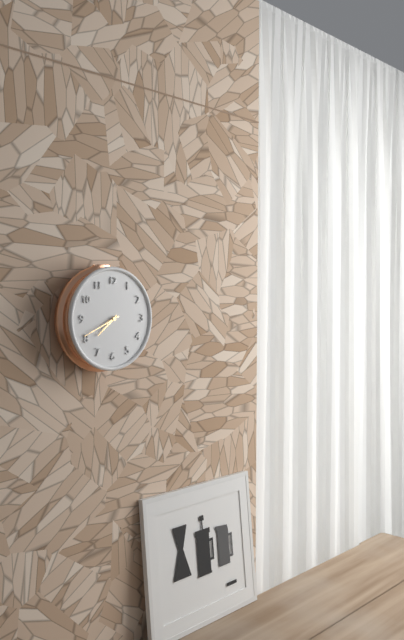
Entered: 7.41
